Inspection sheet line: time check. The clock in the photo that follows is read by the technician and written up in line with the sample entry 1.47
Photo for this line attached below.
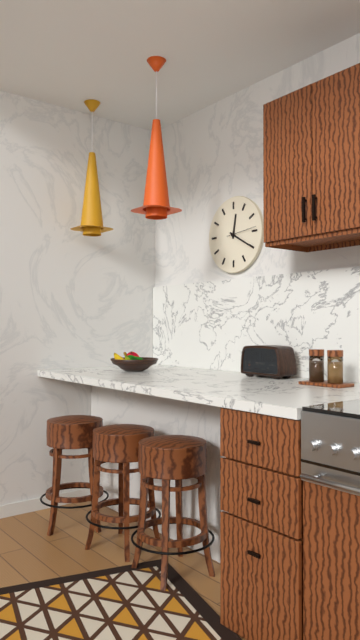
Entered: 12.20
